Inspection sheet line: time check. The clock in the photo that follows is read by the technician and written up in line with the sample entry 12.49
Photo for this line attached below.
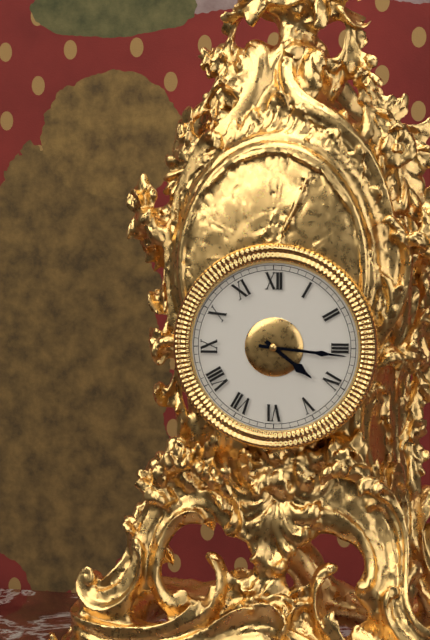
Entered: 4.16
